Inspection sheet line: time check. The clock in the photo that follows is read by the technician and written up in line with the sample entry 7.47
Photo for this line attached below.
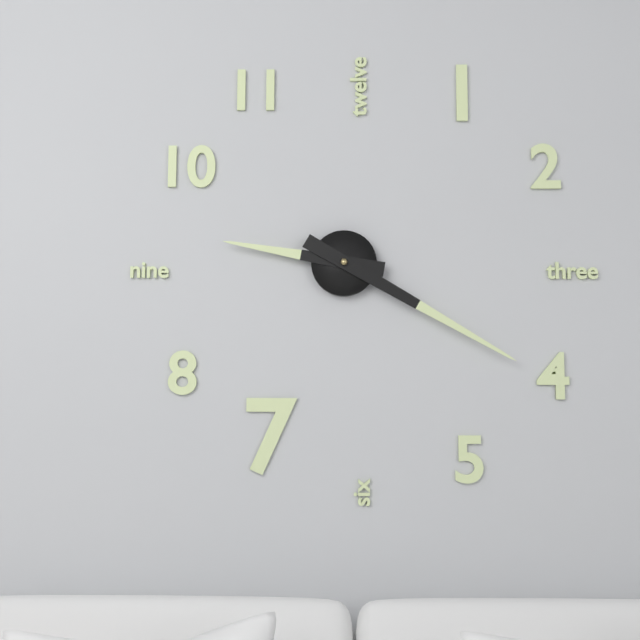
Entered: 9.20
